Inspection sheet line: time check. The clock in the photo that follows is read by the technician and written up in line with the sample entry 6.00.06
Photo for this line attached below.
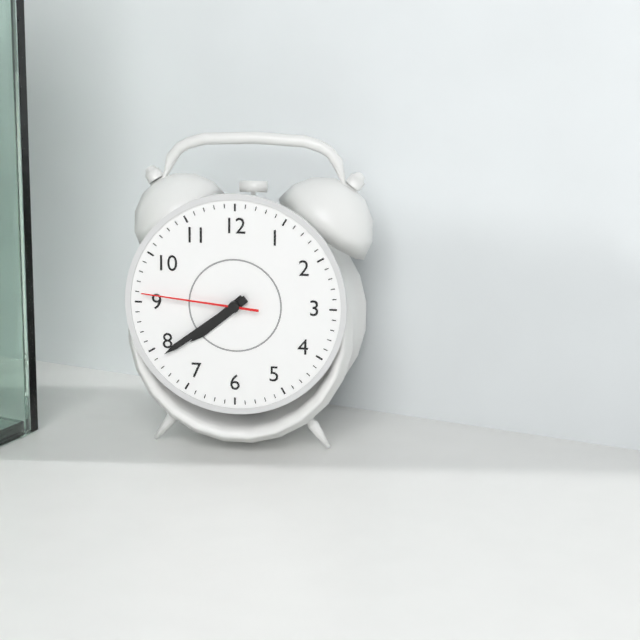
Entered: 7.39.46
